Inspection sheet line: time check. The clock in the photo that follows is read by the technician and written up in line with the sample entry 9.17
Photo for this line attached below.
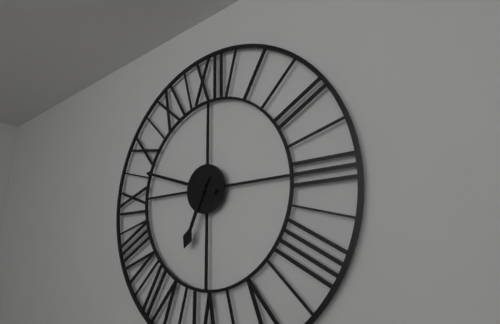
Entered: 6.48
